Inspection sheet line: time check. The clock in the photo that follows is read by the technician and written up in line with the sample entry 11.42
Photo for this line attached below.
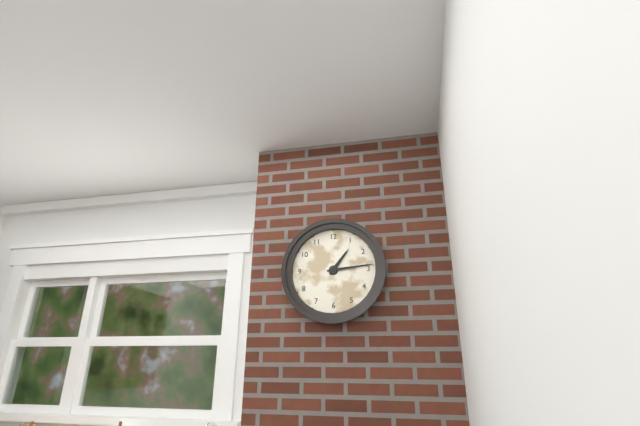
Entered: 1.14
